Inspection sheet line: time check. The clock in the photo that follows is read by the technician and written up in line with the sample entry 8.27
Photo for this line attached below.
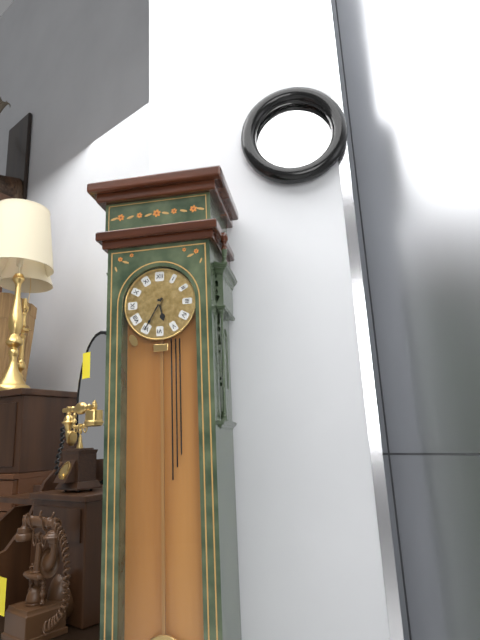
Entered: 5.35
